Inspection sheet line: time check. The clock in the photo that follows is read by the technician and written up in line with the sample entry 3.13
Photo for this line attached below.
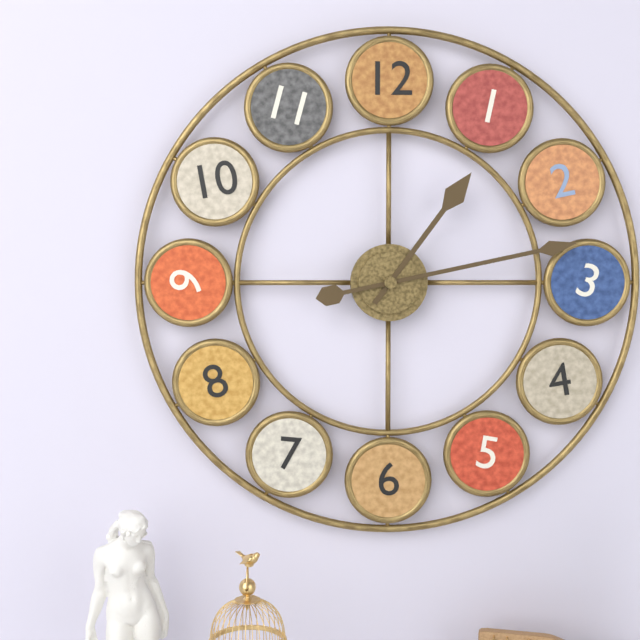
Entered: 1.13
